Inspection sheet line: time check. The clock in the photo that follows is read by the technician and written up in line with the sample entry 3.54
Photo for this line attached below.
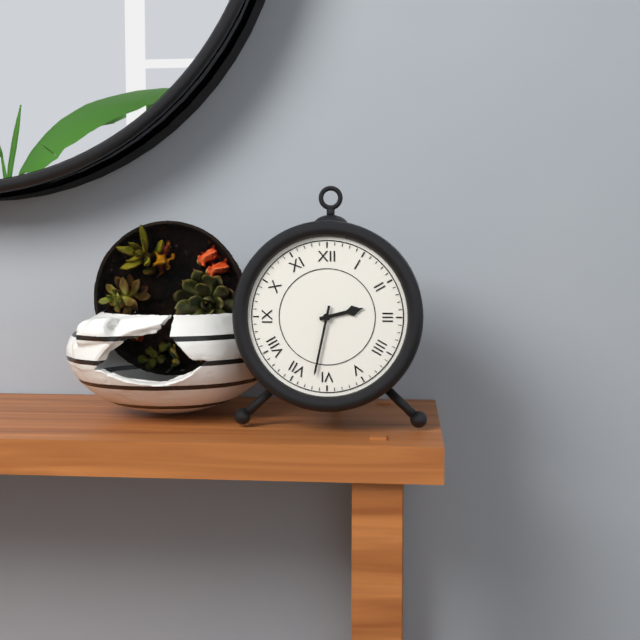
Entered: 2.32
